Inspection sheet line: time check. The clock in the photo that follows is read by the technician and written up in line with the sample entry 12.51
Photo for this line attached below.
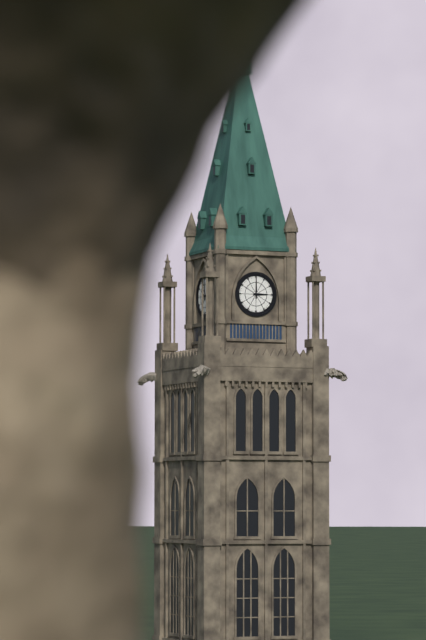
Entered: 3.00
